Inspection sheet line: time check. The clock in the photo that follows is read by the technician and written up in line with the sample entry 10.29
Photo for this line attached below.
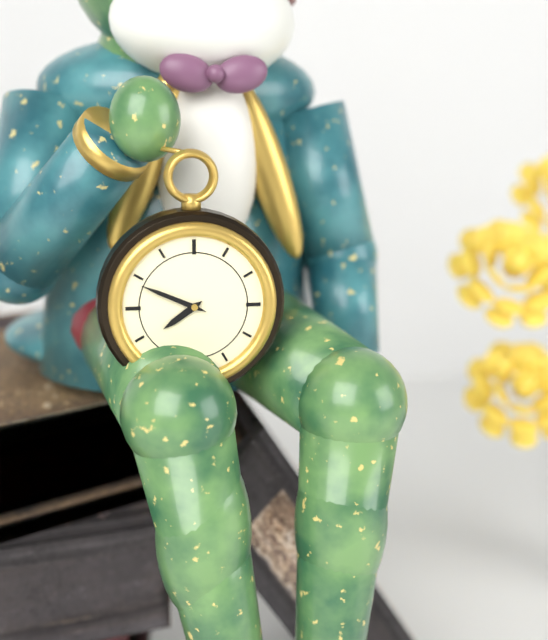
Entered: 7.49
